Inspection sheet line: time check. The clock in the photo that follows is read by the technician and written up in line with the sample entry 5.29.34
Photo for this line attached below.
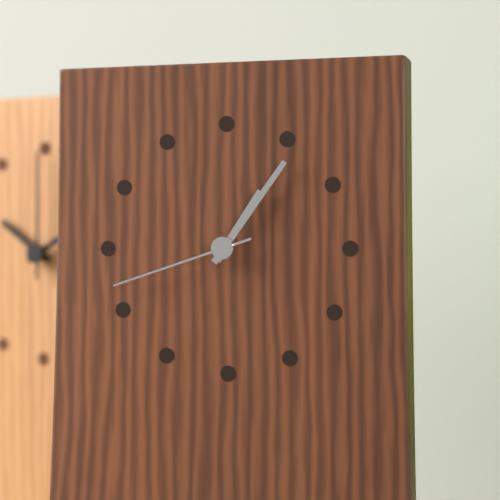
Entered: 1.06.42
